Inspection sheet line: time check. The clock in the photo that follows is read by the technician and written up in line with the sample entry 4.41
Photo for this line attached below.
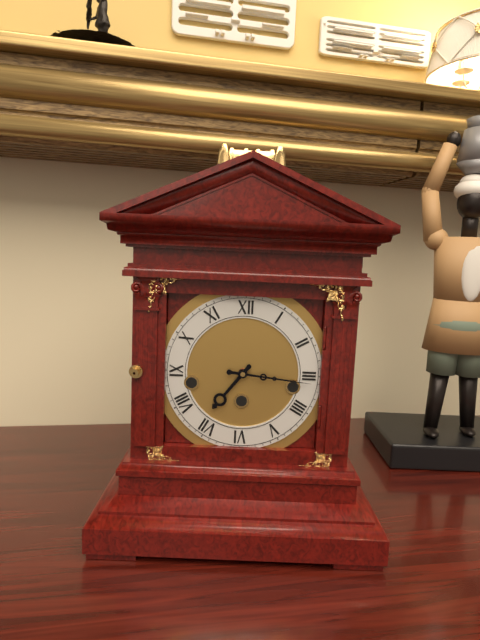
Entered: 7.16
